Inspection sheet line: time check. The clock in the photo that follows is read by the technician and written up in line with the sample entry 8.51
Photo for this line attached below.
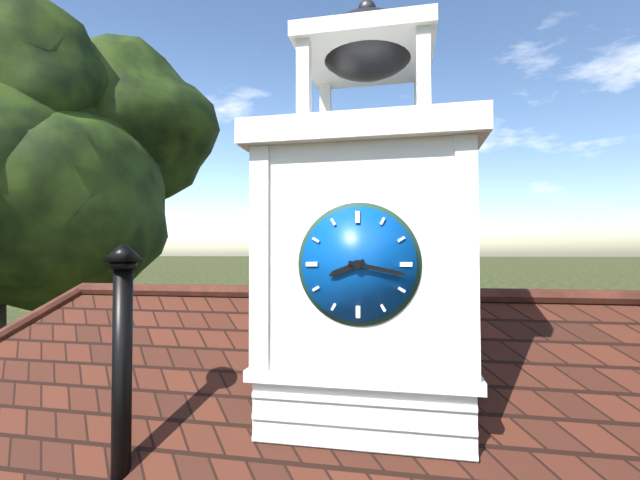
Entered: 8.17
